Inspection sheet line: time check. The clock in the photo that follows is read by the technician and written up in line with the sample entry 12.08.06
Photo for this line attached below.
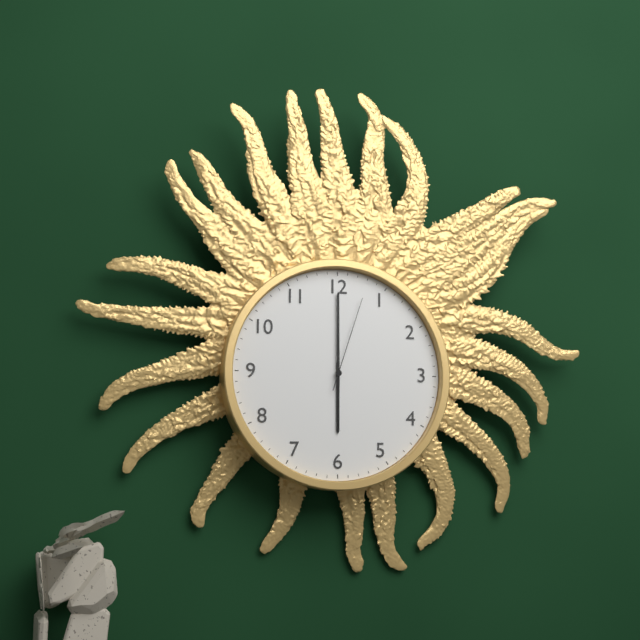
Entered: 6.00.03
